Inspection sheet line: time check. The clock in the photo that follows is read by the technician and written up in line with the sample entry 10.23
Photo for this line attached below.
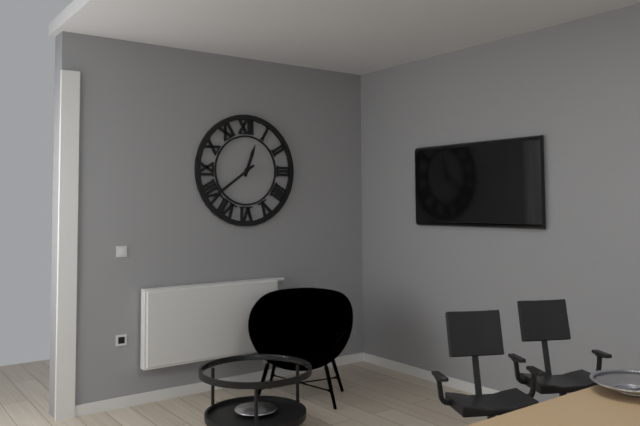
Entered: 12.39
